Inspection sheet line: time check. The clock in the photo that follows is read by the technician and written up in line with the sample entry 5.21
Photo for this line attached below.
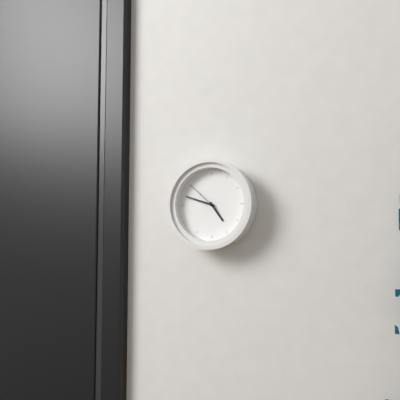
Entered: 4.48
